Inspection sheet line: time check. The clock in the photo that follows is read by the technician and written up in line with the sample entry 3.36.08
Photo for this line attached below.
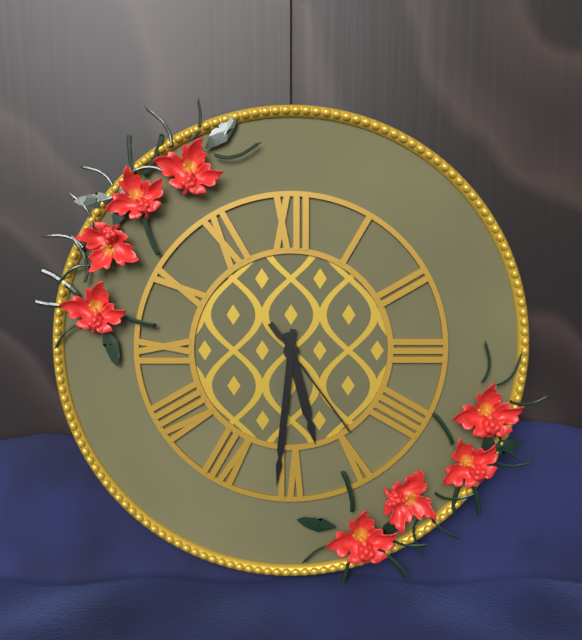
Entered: 5.31.24
